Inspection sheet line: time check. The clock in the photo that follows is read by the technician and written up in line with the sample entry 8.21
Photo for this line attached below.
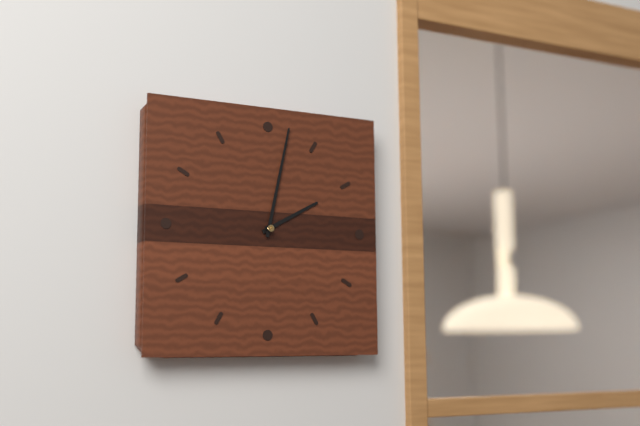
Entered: 2.02
